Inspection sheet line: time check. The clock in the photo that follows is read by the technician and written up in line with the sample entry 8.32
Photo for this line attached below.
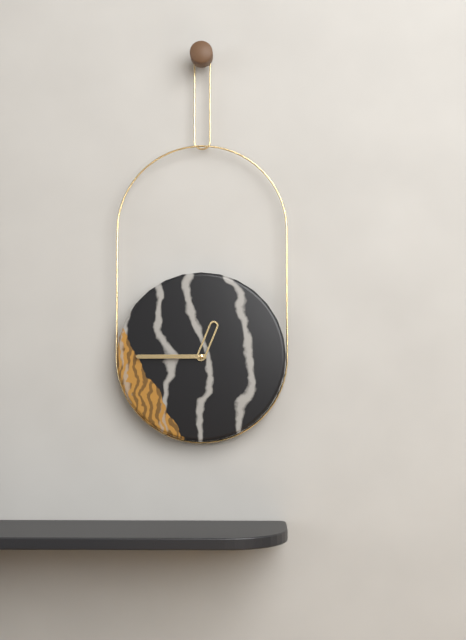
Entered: 12.45
